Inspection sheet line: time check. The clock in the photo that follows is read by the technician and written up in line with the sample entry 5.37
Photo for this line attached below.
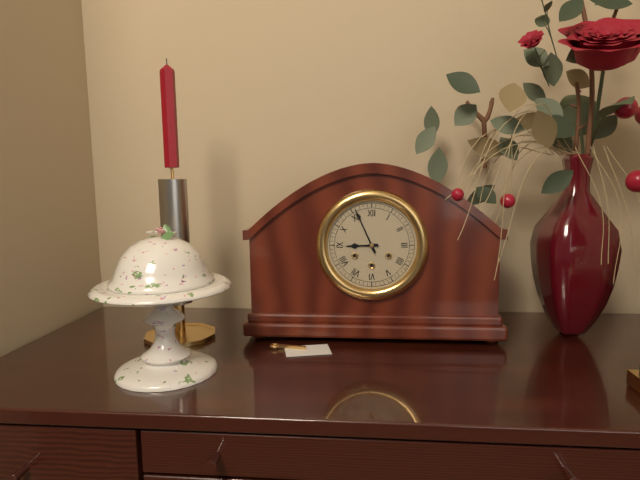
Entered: 8.56
